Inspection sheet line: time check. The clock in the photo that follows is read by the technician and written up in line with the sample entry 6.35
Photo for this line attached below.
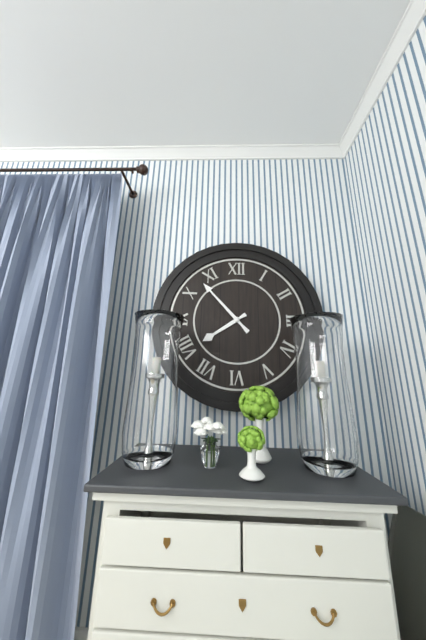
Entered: 7.53
